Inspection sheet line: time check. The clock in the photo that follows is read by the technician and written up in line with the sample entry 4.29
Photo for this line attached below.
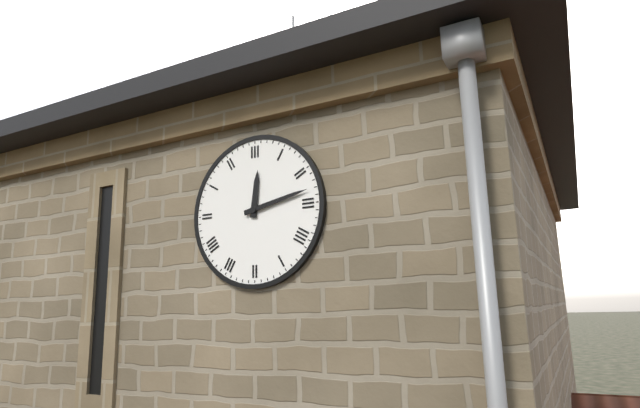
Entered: 12.13
